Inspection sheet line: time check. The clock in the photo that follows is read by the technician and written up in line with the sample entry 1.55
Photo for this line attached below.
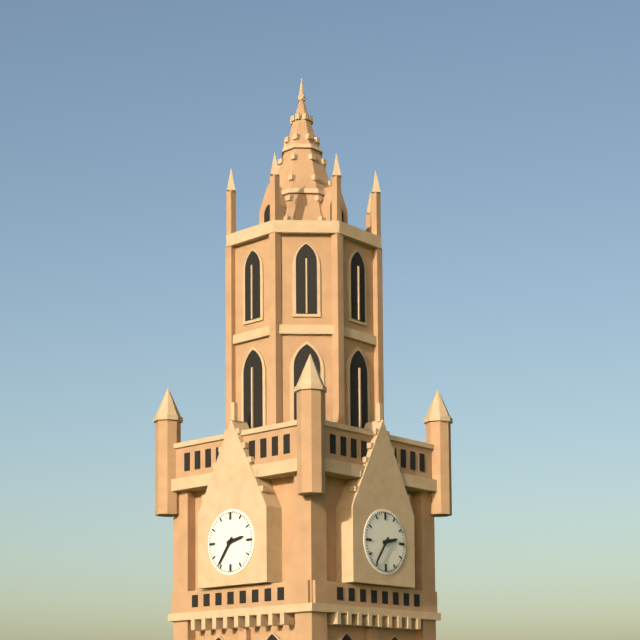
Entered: 2.36
